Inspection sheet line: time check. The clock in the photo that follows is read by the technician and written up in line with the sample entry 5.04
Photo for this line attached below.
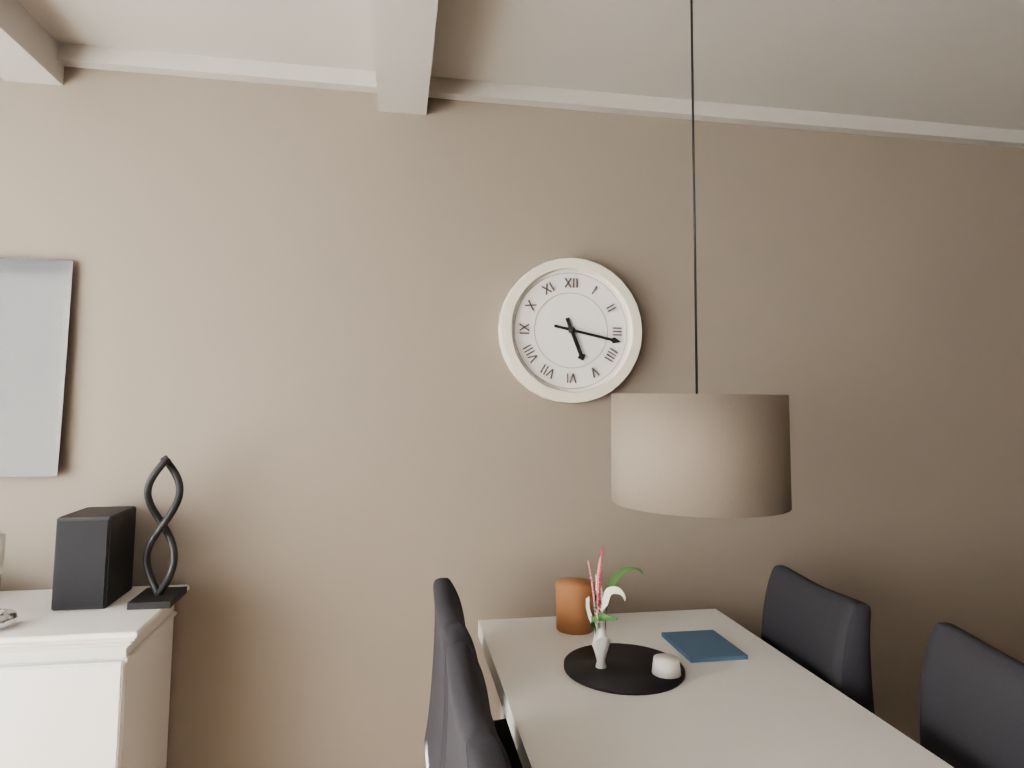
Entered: 5.17
